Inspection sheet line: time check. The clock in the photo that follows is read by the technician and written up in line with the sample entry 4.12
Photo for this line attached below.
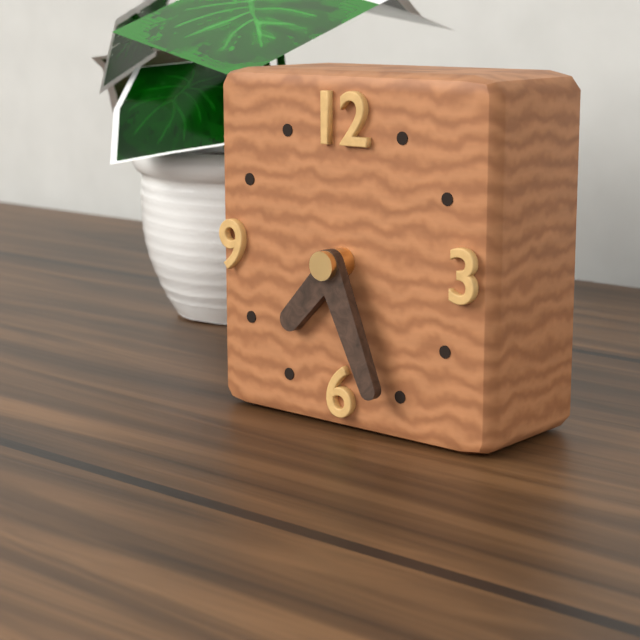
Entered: 7.26
